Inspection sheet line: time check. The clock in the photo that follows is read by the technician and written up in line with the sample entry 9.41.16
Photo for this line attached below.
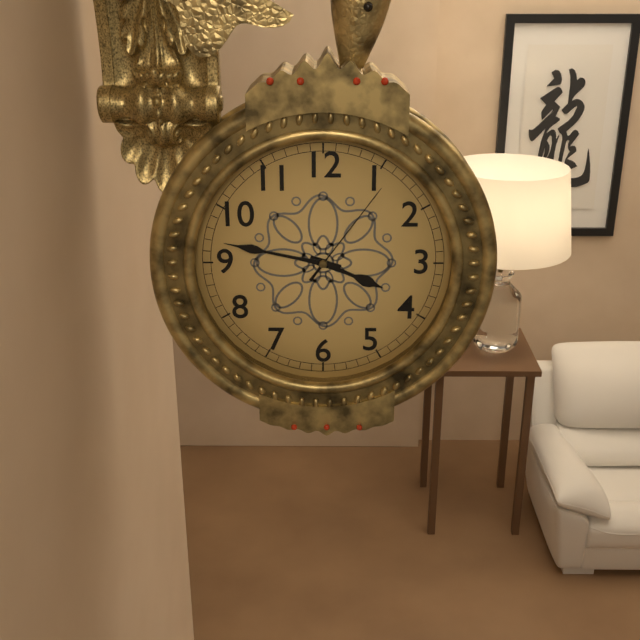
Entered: 3.47.06
